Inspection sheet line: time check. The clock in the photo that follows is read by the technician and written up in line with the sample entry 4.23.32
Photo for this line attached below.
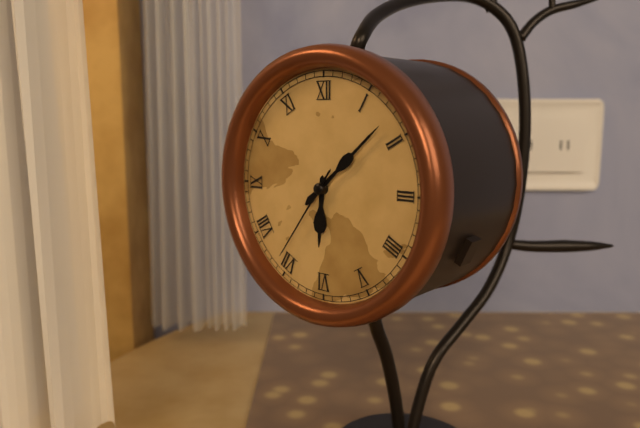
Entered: 6.08.36
